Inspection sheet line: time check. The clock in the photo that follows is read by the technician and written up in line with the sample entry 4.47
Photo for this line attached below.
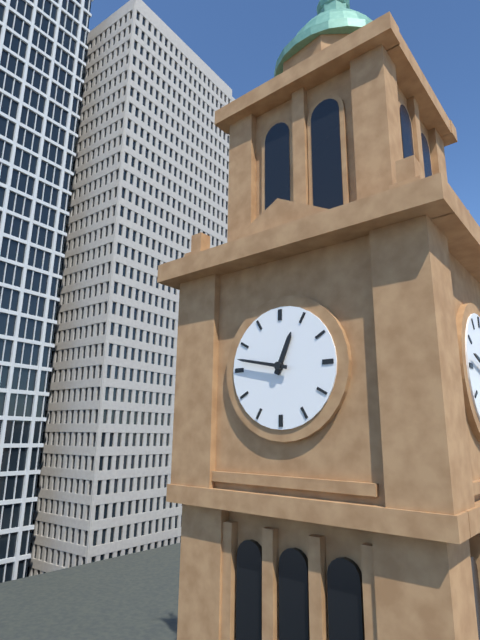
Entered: 12.47
